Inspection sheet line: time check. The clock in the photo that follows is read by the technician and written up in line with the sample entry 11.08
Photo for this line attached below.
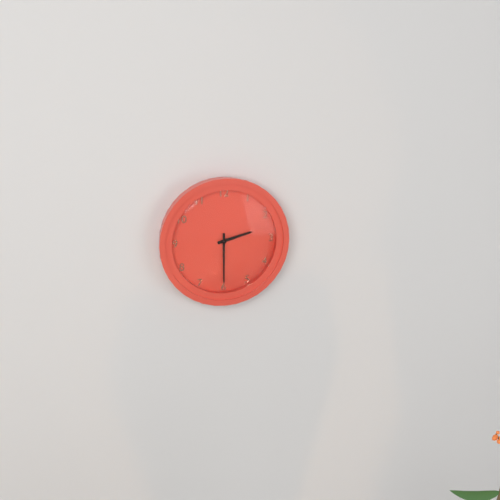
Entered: 2.30
